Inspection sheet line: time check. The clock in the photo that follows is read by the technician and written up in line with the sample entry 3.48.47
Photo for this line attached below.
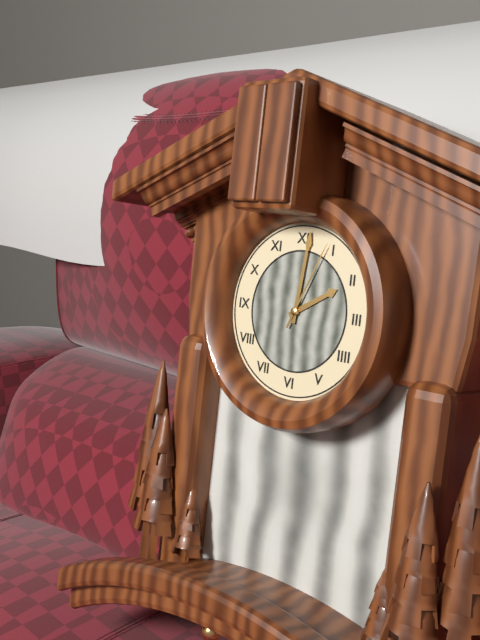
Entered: 2.01.04
